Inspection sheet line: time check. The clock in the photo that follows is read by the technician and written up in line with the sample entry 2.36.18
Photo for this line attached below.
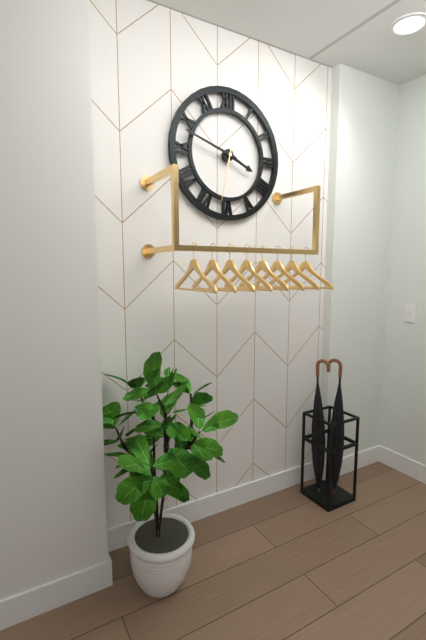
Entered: 3.48.32
